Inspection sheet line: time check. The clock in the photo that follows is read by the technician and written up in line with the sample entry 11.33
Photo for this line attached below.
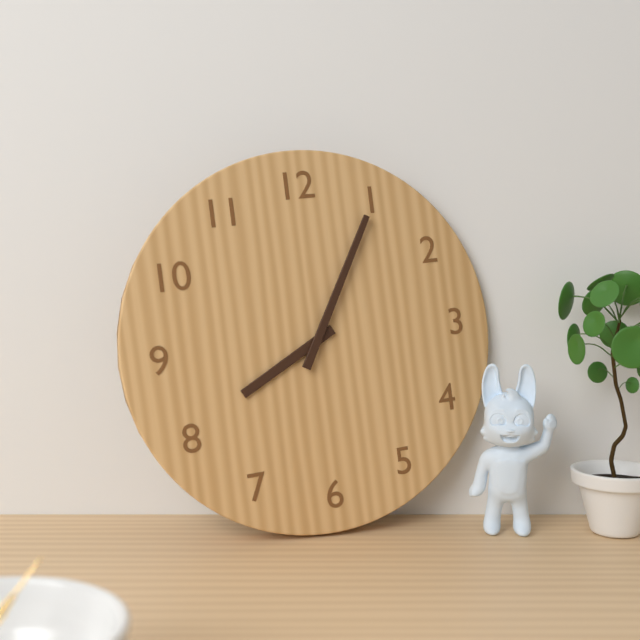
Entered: 8.05
